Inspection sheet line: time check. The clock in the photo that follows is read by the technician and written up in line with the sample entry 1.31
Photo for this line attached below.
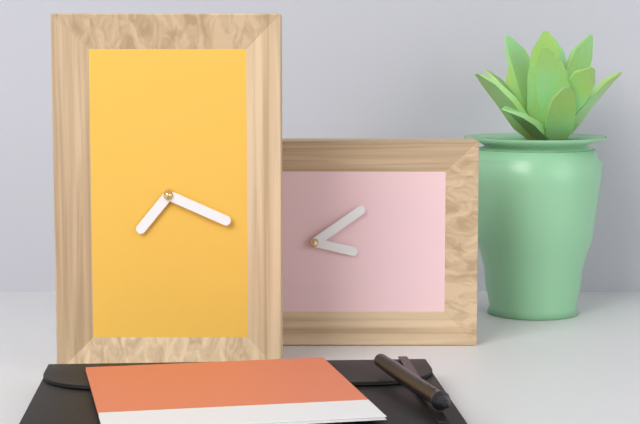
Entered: 7.19
